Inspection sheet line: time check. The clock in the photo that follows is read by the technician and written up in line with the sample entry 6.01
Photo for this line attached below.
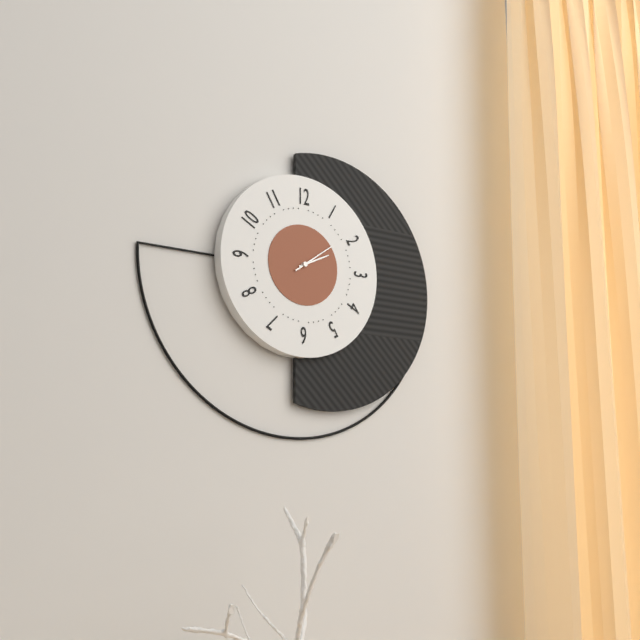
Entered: 2.09
